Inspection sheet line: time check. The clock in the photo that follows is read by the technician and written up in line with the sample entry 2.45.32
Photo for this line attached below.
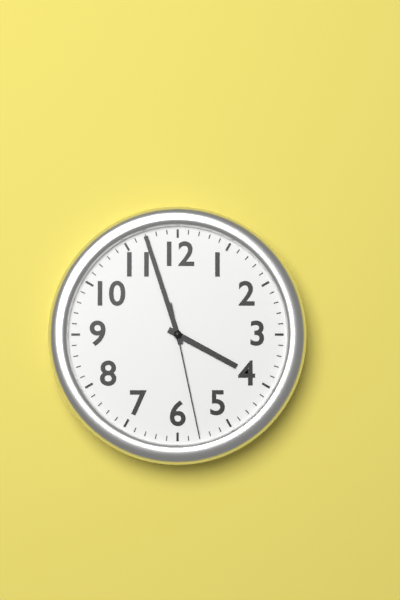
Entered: 3.57.28
